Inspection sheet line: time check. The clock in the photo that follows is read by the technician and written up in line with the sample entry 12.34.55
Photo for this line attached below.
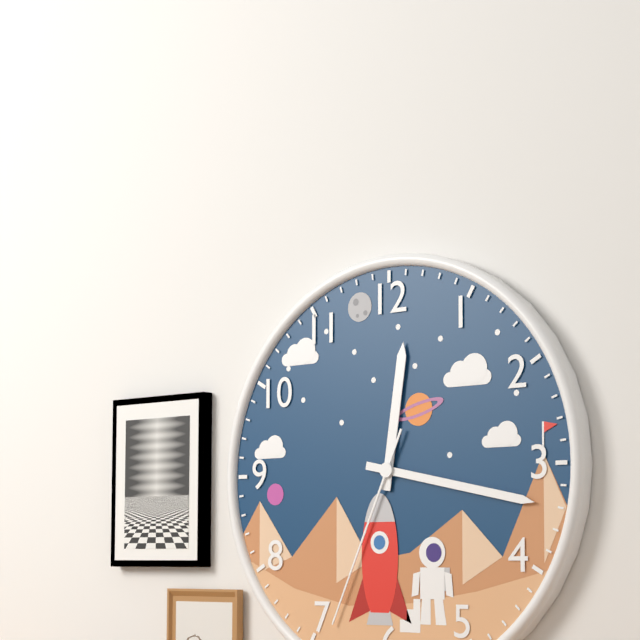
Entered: 12.17.34
